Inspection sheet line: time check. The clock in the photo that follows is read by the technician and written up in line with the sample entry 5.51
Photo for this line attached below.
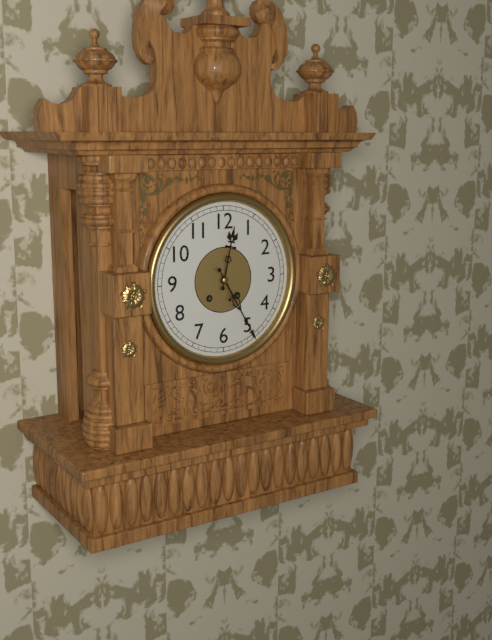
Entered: 12.25
